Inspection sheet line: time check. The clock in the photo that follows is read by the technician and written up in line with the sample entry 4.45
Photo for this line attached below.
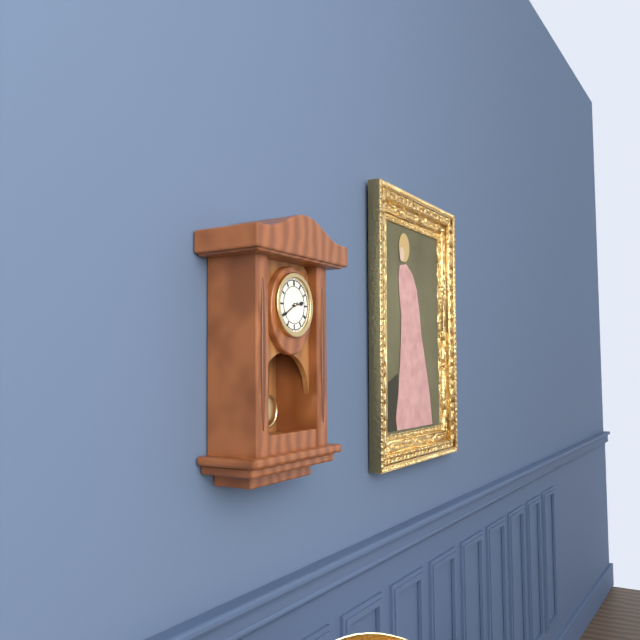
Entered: 2.40
